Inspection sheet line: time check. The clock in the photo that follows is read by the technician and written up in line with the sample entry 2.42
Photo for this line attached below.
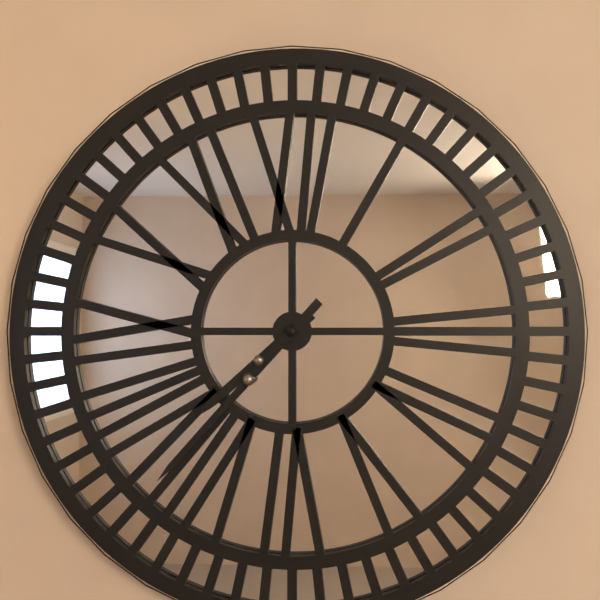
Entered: 7.37
